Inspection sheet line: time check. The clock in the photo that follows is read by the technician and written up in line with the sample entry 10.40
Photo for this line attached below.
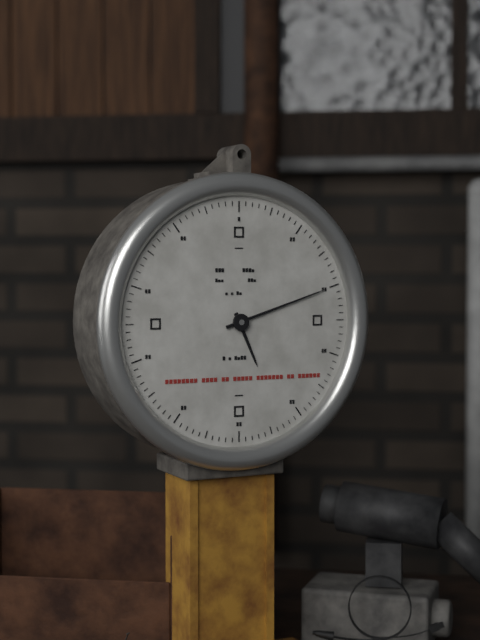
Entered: 5.12
